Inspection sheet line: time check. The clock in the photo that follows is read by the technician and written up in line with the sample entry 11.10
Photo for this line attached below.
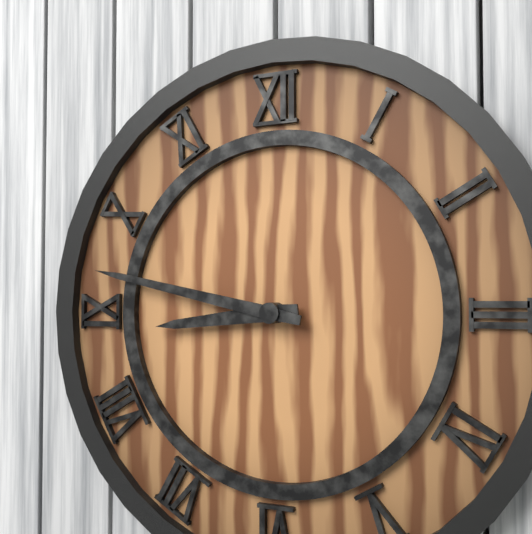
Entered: 8.47
